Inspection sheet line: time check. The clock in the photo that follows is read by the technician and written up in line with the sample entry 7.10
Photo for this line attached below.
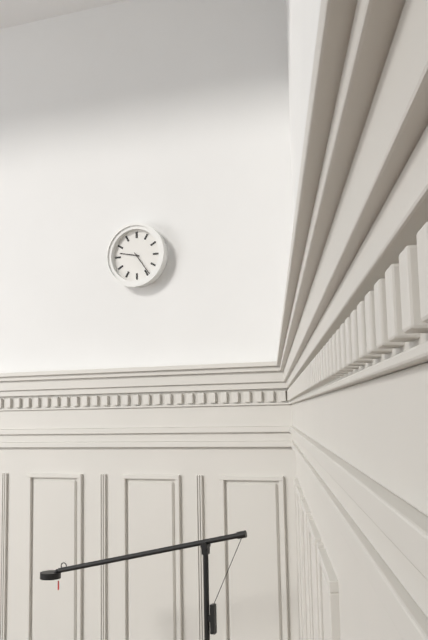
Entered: 9.24
